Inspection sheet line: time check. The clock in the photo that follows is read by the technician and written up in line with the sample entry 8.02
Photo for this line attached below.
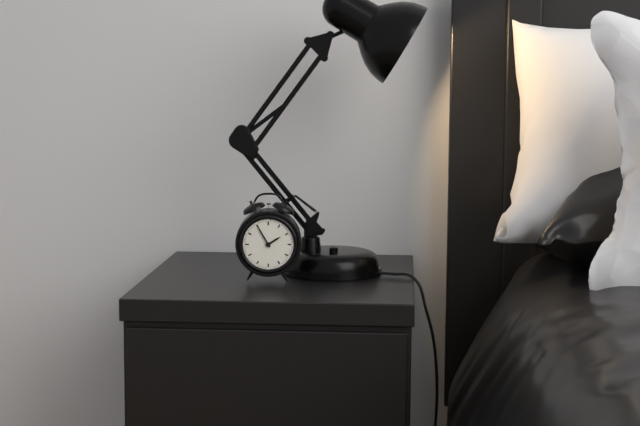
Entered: 1.55
